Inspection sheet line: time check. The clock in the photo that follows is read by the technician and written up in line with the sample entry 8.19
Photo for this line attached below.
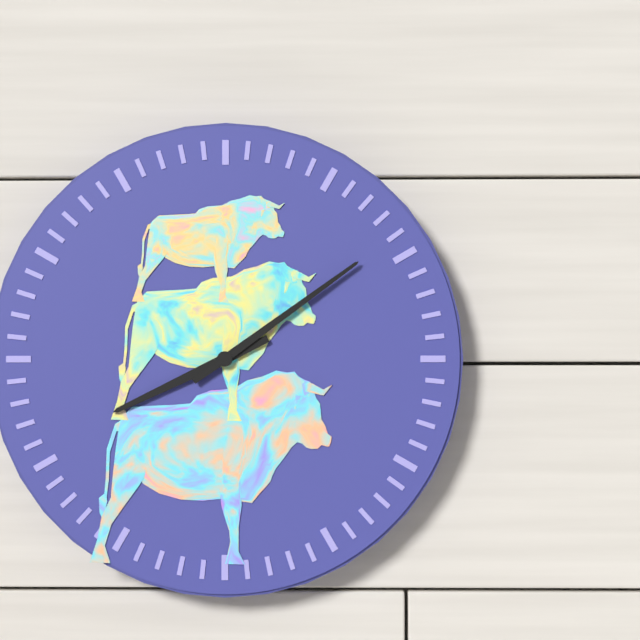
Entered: 8.09
